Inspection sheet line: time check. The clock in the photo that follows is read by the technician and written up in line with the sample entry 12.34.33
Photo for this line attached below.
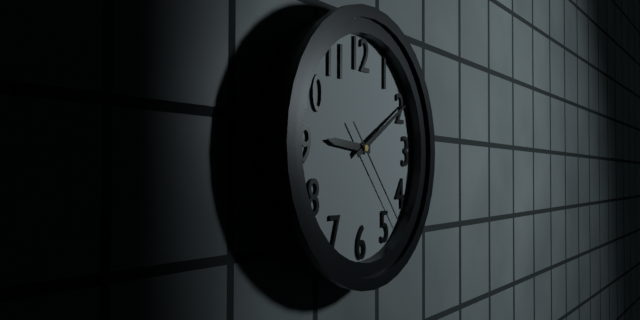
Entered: 9.10.23
